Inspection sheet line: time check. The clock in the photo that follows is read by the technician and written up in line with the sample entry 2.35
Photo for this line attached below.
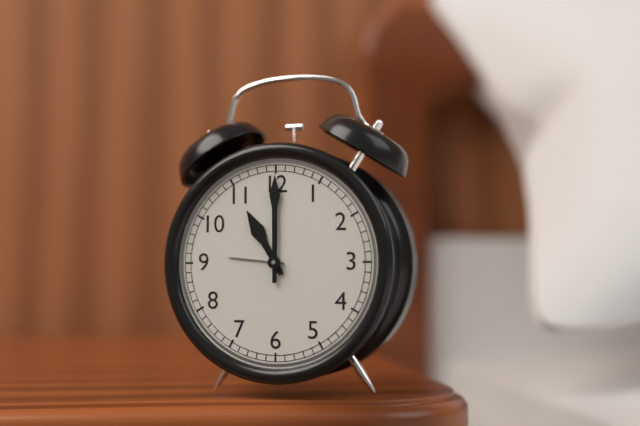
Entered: 11.00
